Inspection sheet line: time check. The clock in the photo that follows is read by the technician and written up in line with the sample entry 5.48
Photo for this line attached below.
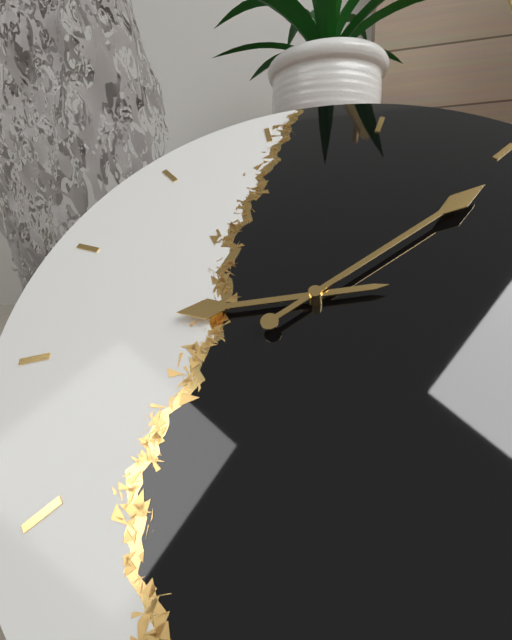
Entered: 9.11
